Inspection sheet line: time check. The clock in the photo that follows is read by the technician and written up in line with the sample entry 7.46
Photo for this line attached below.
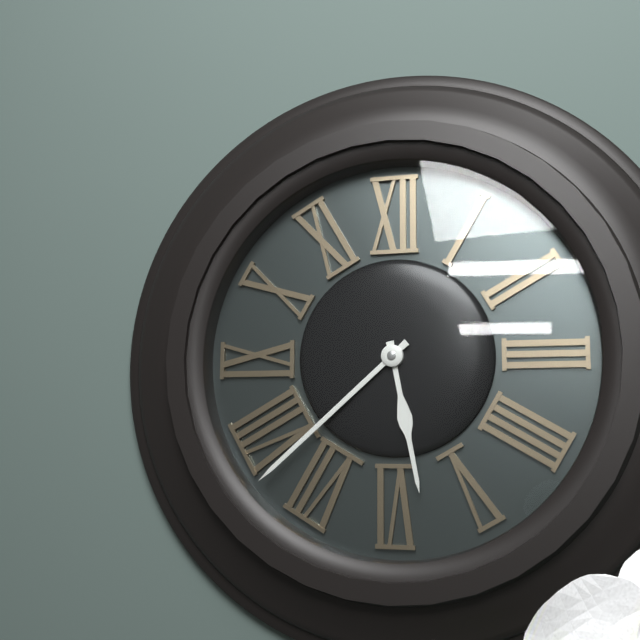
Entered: 5.38
